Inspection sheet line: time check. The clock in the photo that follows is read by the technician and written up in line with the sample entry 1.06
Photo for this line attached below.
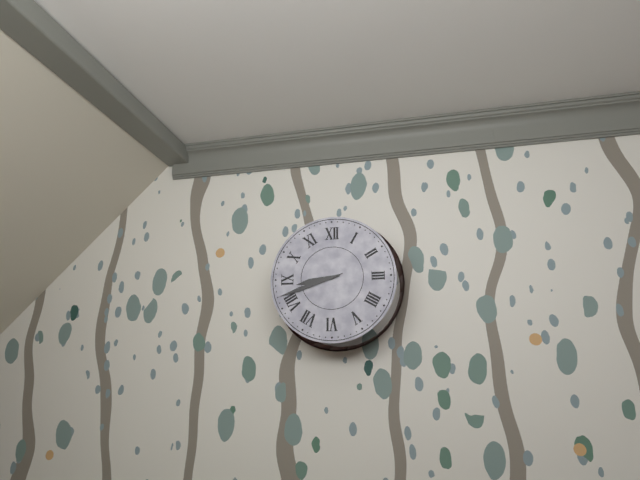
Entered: 8.42
